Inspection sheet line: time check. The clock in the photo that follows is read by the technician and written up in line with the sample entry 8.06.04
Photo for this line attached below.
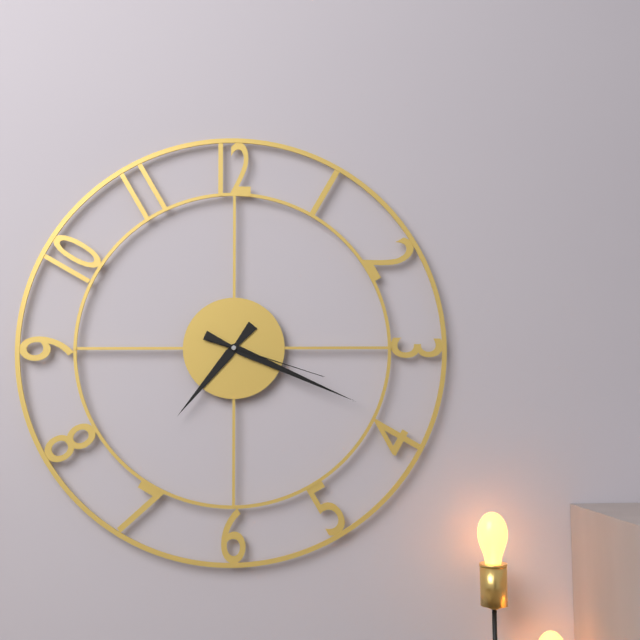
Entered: 7.19.18
